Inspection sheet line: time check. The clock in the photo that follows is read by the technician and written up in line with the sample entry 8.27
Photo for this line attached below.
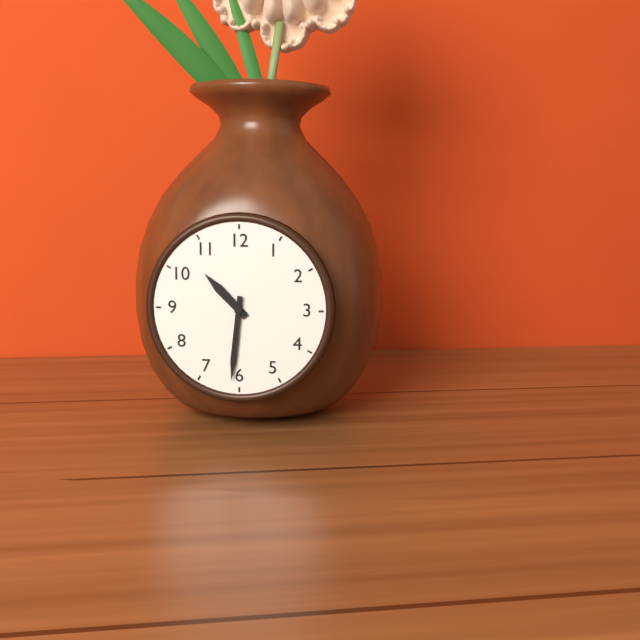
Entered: 10.31
